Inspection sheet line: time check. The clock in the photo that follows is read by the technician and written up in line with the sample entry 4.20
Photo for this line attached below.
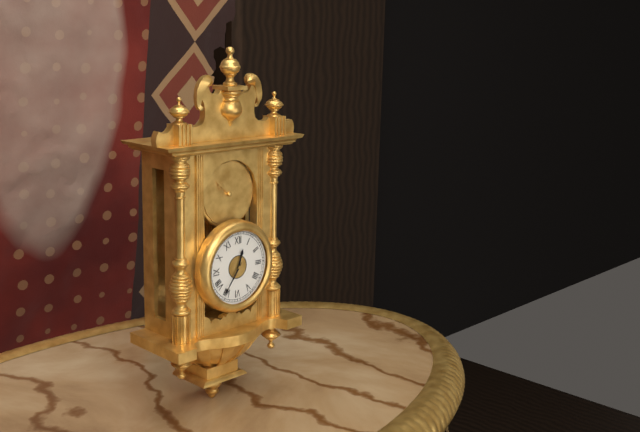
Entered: 12.36
